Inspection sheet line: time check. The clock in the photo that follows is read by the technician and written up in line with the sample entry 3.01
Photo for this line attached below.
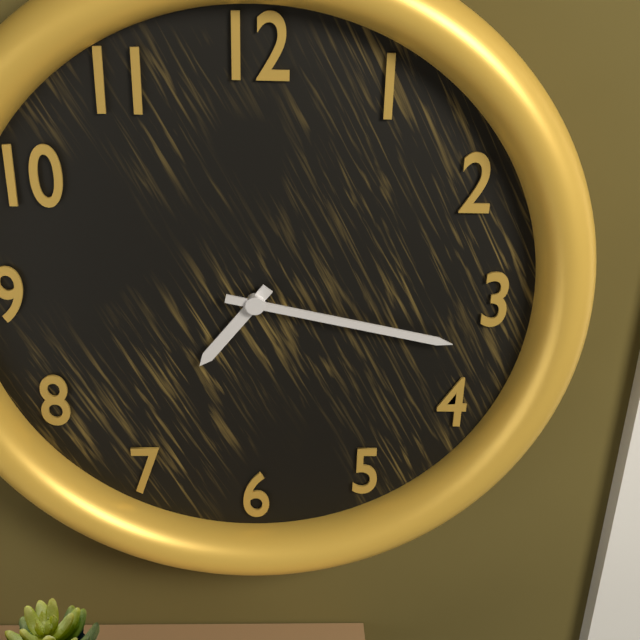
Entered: 7.17
